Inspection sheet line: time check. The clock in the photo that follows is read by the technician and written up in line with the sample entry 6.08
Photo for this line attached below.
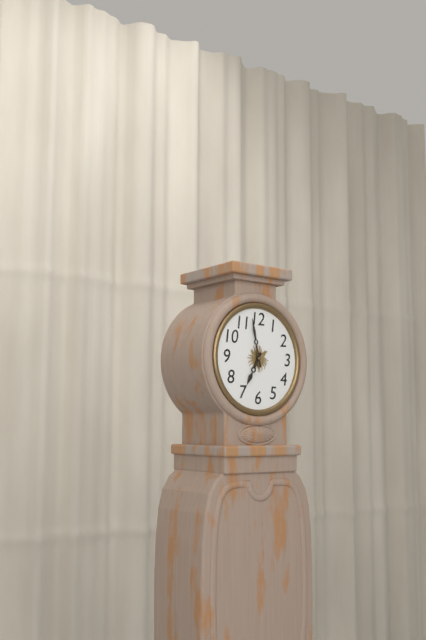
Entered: 6.58
